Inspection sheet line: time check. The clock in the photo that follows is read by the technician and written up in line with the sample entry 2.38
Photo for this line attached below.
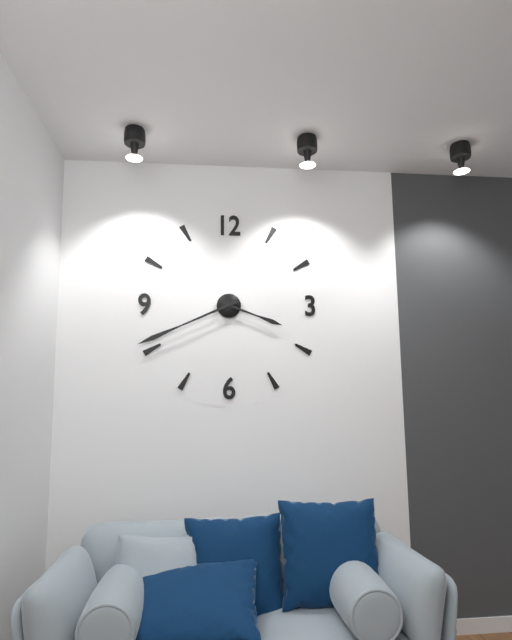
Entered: 3.41
